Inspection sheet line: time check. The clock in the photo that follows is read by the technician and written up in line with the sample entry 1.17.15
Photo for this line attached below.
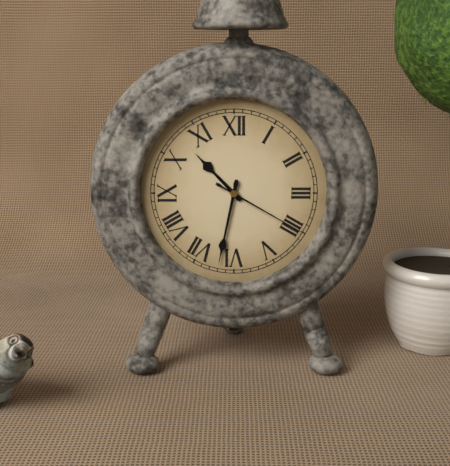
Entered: 10.32.20
